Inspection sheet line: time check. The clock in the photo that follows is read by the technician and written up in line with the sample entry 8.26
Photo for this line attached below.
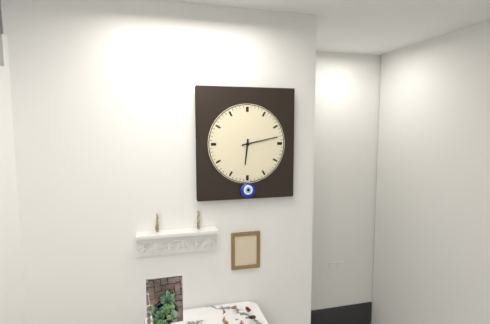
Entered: 6.13
